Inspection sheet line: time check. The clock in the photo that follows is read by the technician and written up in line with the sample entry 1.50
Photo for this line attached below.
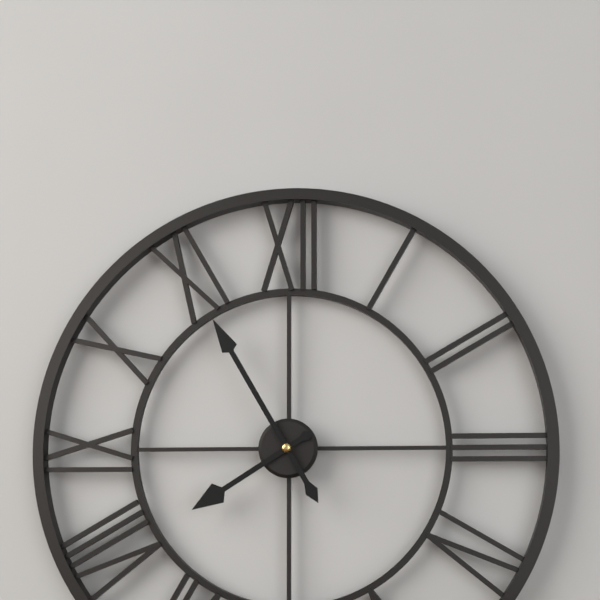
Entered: 7.55
